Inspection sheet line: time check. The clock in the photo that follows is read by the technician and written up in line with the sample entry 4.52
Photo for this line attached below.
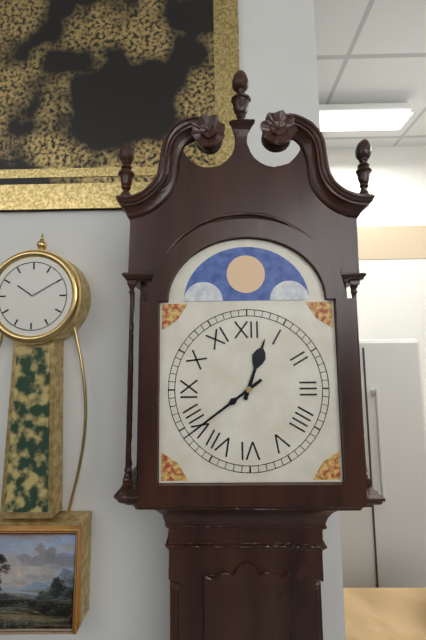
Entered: 12.39
